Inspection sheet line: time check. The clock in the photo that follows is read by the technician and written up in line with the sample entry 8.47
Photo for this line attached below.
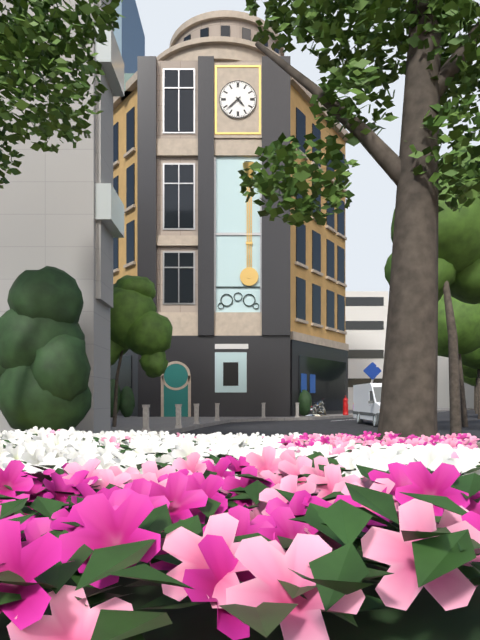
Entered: 4.38
